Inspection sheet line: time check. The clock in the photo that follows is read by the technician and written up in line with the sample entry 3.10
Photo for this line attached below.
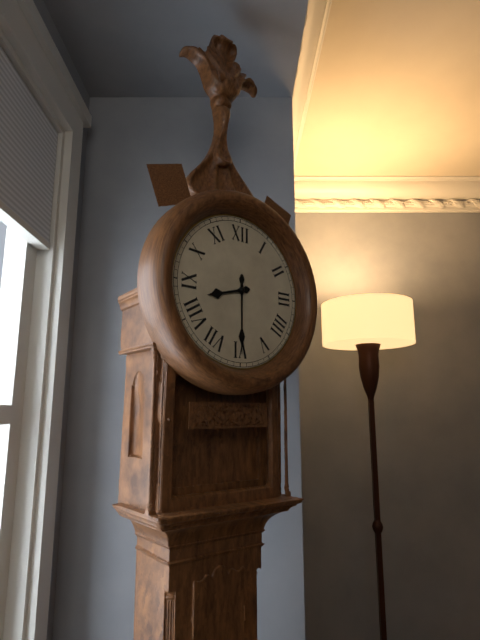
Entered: 8.30
